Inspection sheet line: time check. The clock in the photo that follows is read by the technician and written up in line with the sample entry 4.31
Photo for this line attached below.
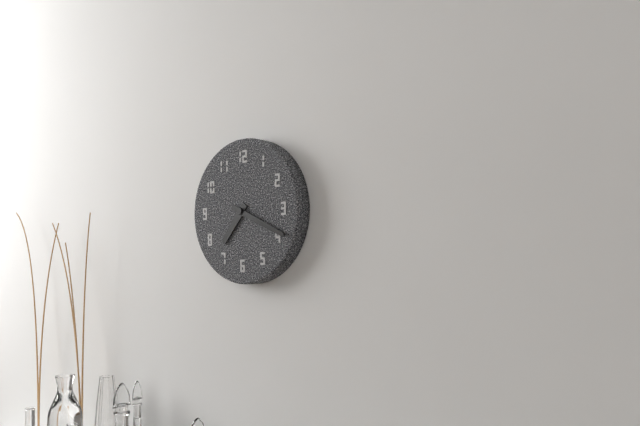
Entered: 7.19
